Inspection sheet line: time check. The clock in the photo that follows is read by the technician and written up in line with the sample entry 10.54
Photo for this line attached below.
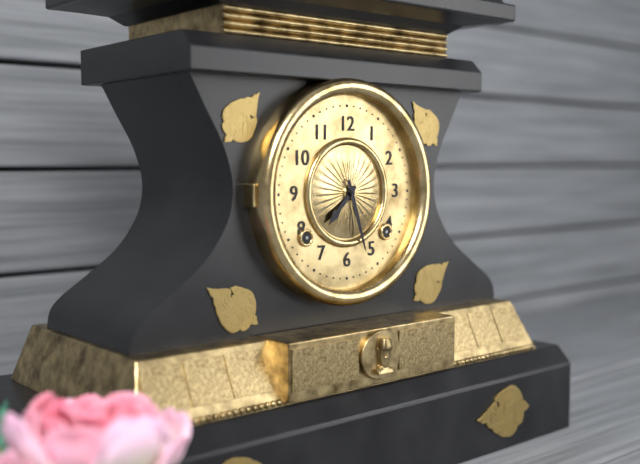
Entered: 7.27
